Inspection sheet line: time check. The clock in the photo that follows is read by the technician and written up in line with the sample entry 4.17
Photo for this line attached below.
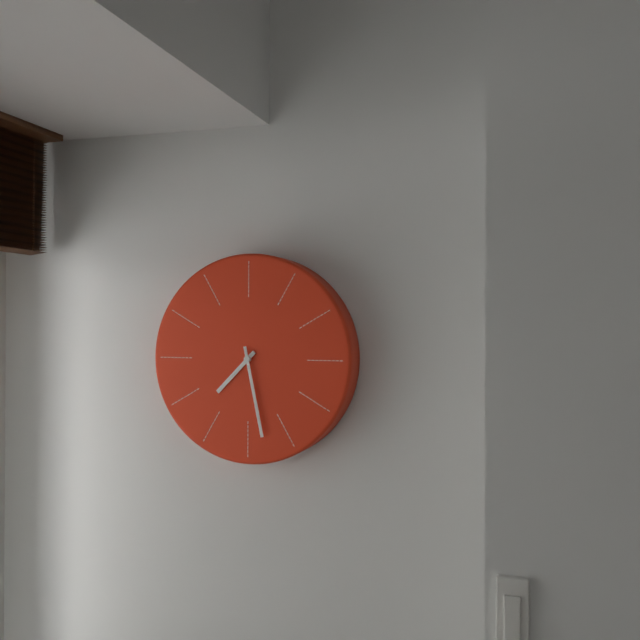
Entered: 7.28
